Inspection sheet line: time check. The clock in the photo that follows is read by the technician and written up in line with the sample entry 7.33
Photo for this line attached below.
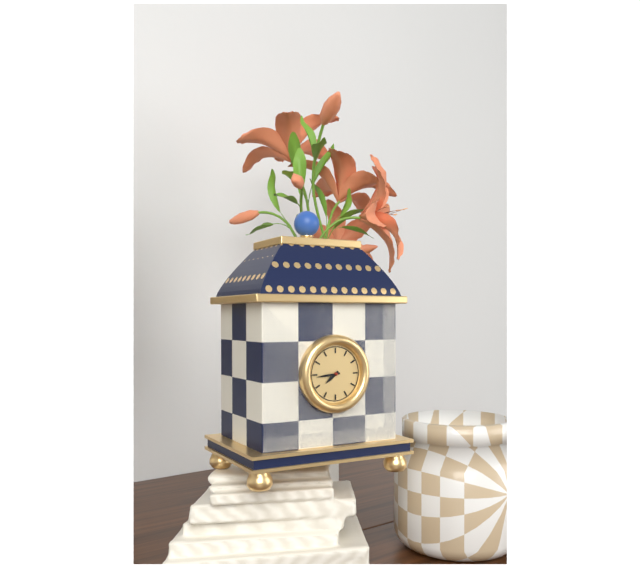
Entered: 7.44
